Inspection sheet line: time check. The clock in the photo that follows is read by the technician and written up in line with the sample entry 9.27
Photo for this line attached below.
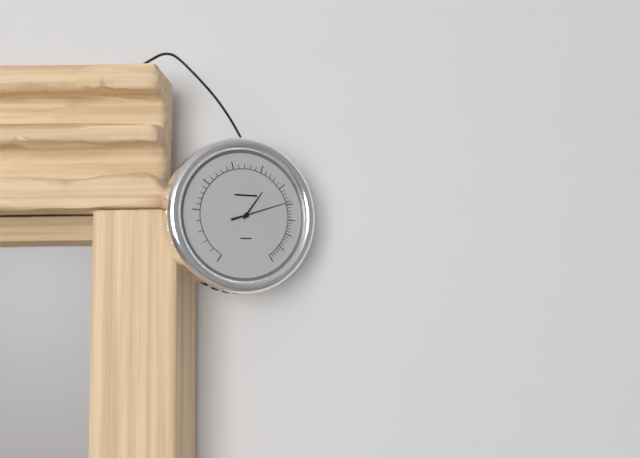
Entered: 1.12
